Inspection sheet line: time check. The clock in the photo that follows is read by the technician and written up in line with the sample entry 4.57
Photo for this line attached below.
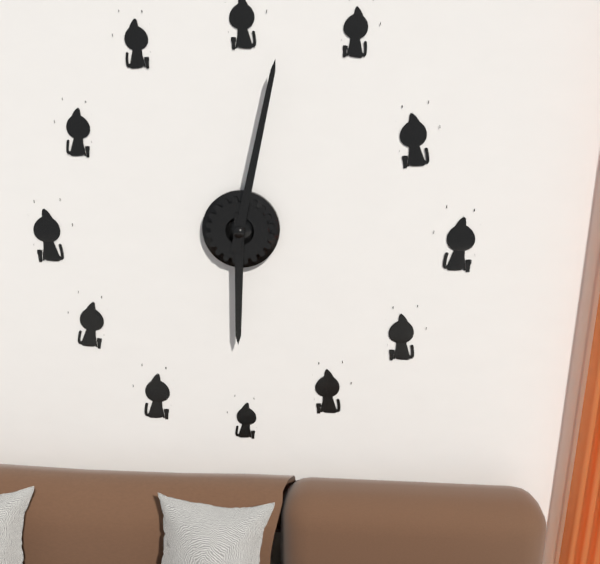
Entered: 6.02
